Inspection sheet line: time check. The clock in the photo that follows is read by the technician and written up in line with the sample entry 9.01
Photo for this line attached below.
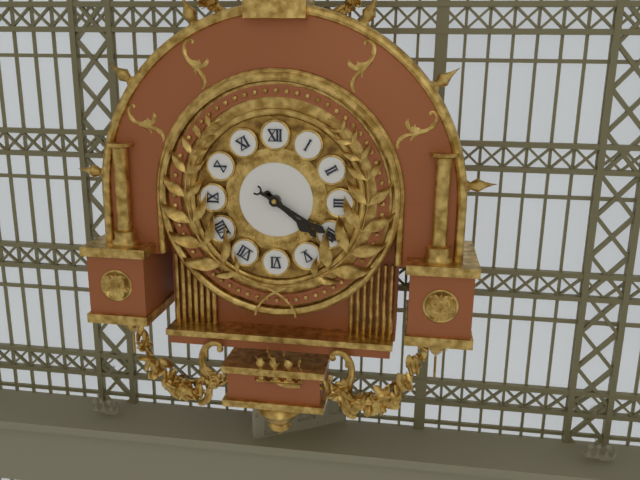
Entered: 4.20
